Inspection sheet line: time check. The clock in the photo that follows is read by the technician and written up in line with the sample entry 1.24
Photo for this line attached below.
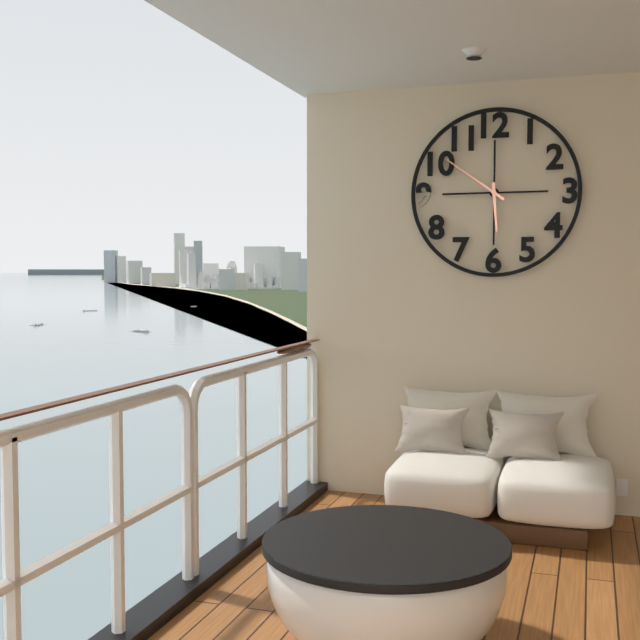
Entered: 5.51
